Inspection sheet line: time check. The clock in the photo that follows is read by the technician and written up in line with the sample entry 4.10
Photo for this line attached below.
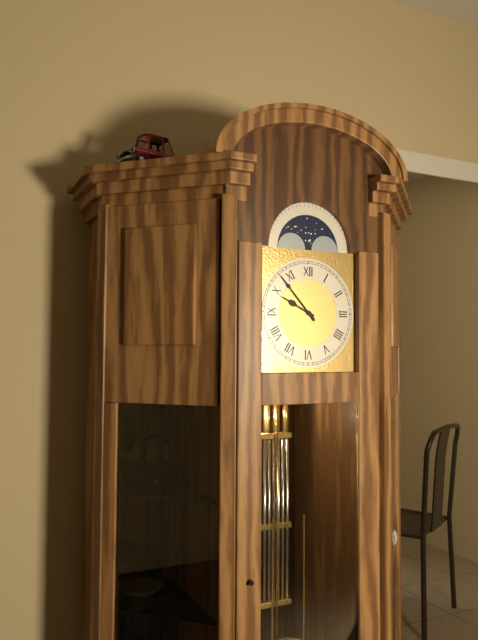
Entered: 9.53
